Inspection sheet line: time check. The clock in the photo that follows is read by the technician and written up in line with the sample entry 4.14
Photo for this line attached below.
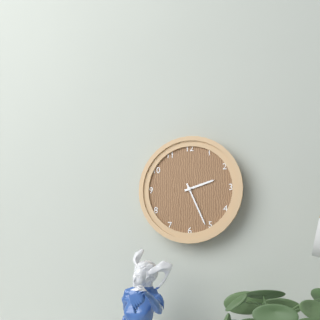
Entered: 2.26
